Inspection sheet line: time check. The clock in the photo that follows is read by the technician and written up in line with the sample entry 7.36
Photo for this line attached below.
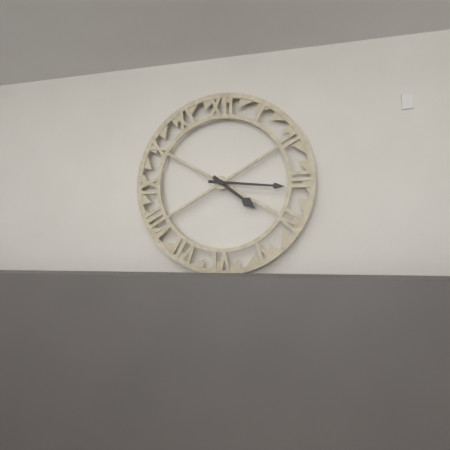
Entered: 4.16
